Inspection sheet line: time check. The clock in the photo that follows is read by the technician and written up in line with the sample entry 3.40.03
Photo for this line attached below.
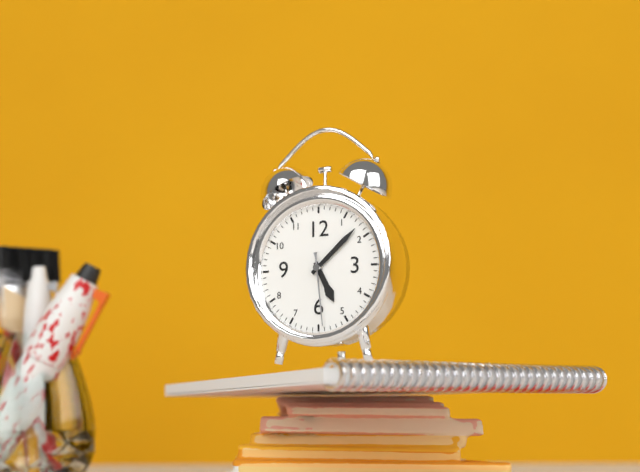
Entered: 5.08.29
